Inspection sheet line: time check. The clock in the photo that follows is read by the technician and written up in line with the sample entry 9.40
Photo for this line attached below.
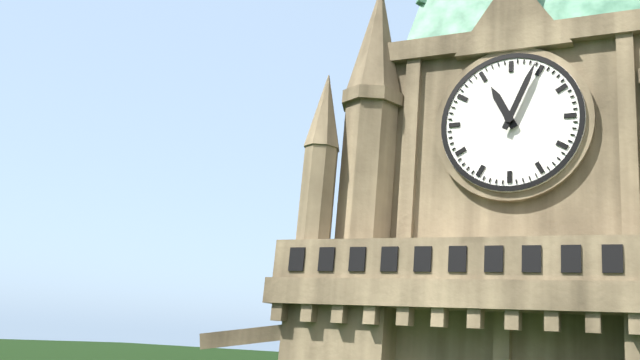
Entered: 11.04
